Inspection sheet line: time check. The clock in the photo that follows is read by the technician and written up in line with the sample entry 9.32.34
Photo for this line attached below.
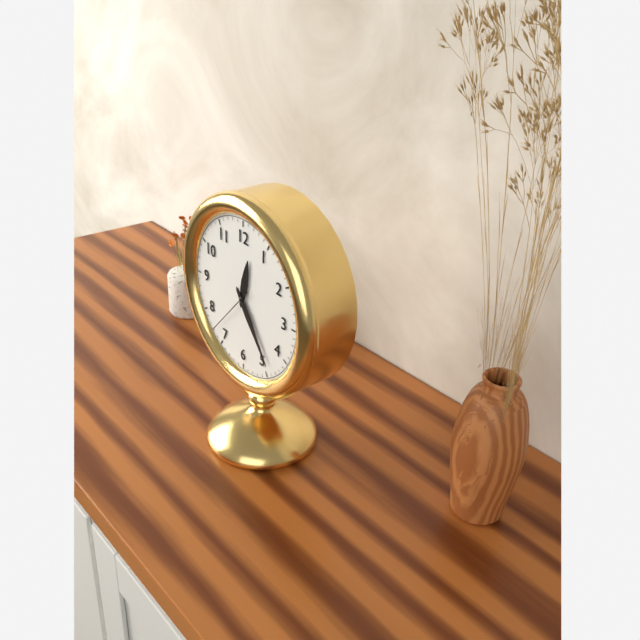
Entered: 12.24.37
